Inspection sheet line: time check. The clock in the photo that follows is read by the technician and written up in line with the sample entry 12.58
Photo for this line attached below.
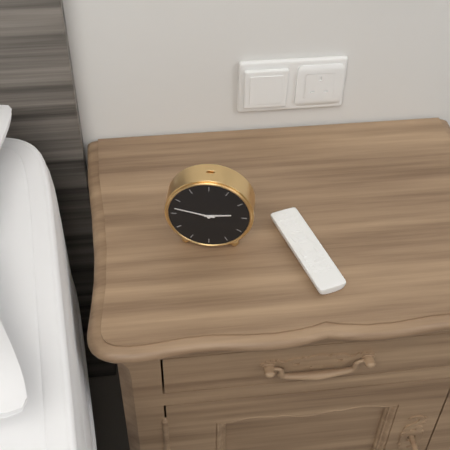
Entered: 2.47
